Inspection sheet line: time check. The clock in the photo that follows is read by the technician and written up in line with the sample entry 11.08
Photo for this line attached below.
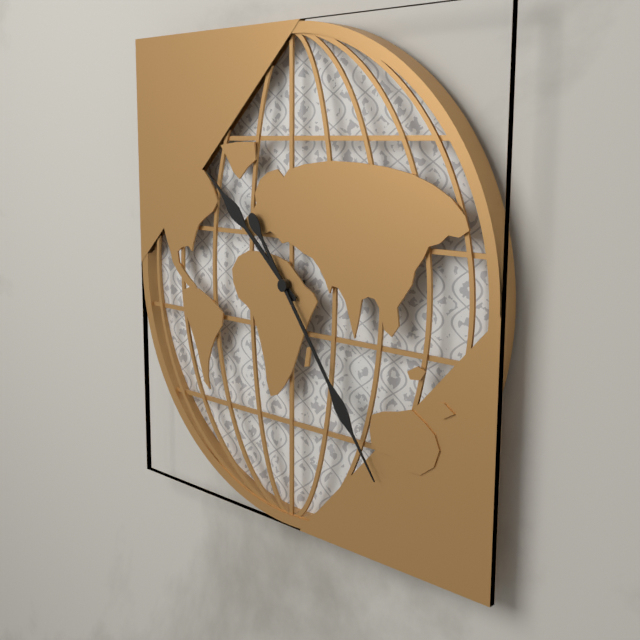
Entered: 10.24
